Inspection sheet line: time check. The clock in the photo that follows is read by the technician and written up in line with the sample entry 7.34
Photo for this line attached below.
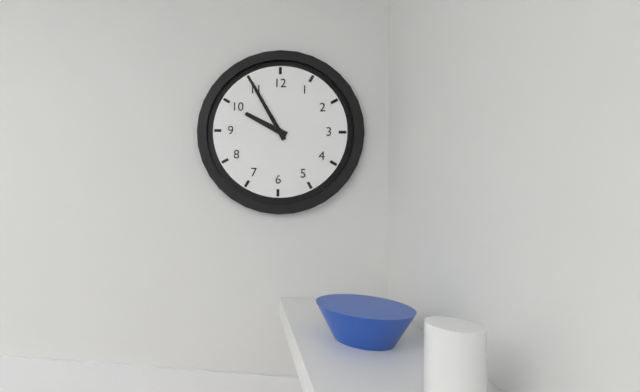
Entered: 9.55
